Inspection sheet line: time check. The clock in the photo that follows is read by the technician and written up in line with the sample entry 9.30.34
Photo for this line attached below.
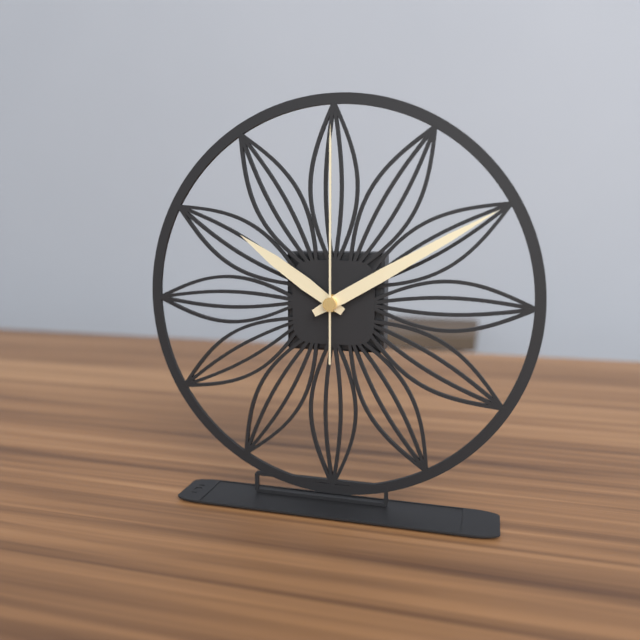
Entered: 10.10.00
